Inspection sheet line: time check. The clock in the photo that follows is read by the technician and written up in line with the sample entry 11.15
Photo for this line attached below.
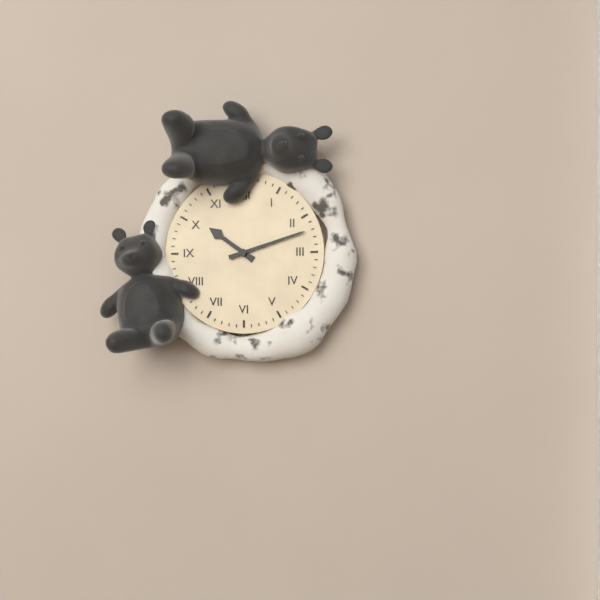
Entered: 10.12
